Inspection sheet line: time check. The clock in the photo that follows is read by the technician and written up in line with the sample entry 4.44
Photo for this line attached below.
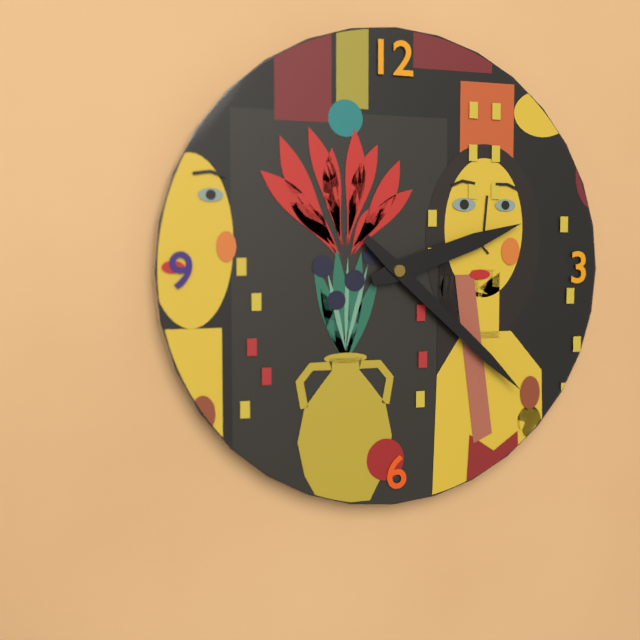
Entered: 2.22
